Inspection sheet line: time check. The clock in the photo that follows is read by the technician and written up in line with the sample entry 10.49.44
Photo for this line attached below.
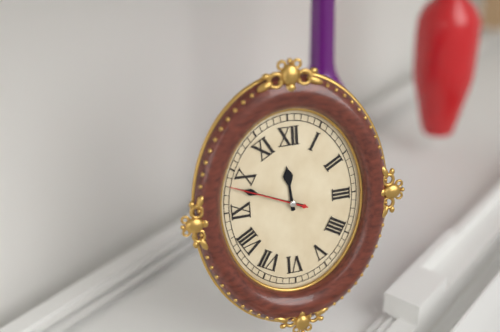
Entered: 11.49.49
